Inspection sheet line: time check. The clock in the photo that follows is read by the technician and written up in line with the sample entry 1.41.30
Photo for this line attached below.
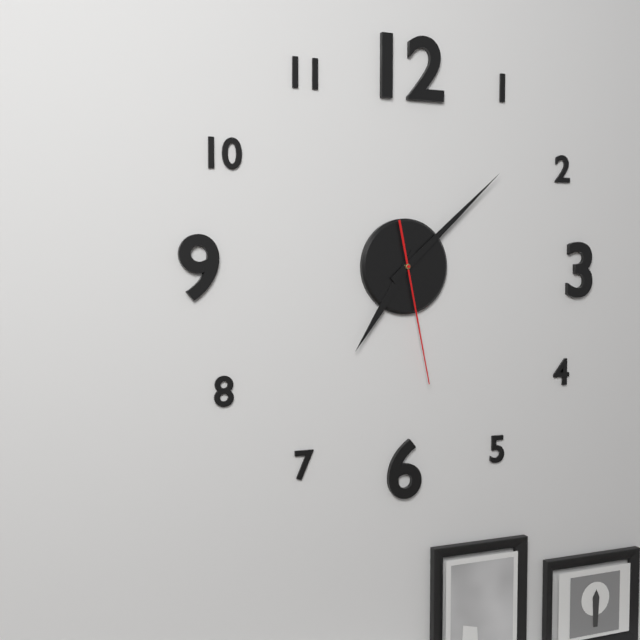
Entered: 7.08.28
